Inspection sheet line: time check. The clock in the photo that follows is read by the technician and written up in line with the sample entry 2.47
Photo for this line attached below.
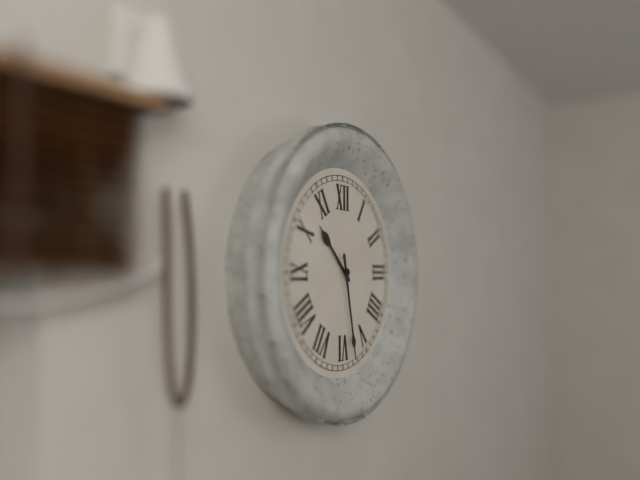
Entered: 10.28
